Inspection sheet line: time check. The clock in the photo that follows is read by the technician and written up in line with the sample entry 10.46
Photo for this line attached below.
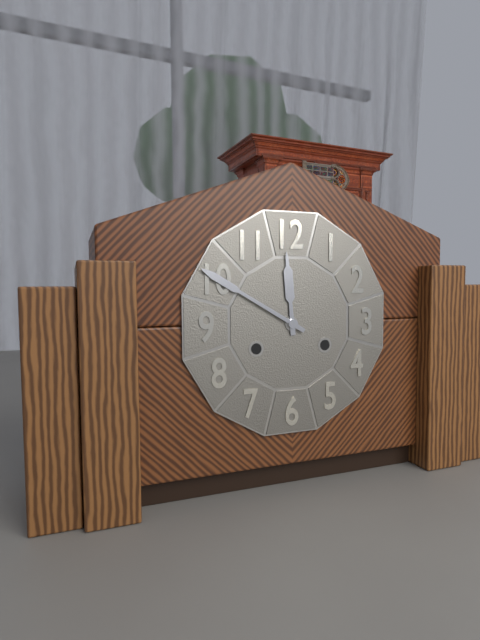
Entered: 11.50
